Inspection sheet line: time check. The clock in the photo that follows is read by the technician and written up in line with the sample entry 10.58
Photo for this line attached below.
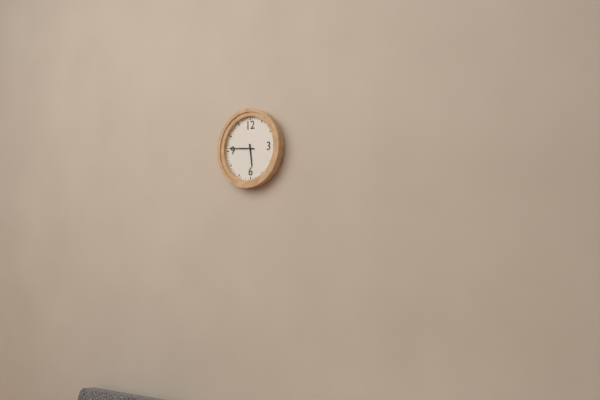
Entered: 5.46
